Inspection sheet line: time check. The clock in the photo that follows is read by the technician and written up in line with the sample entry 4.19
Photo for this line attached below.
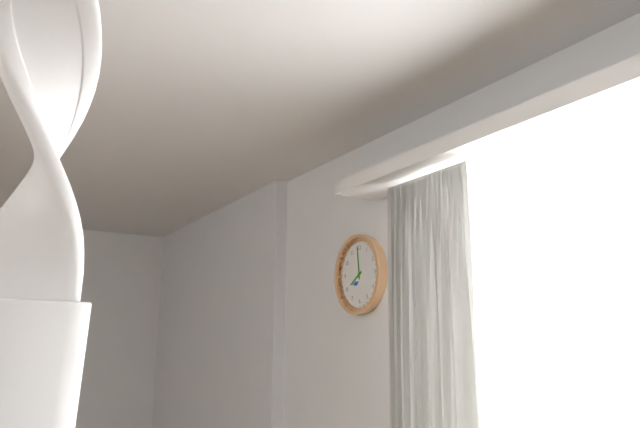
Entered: 7.59
